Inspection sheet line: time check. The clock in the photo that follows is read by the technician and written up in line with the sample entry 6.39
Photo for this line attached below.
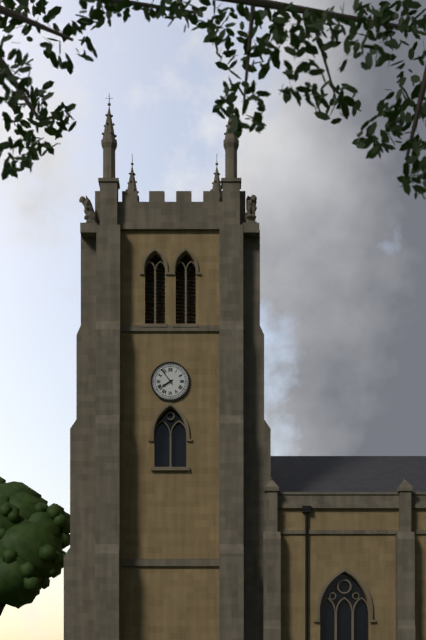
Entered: 7.54
